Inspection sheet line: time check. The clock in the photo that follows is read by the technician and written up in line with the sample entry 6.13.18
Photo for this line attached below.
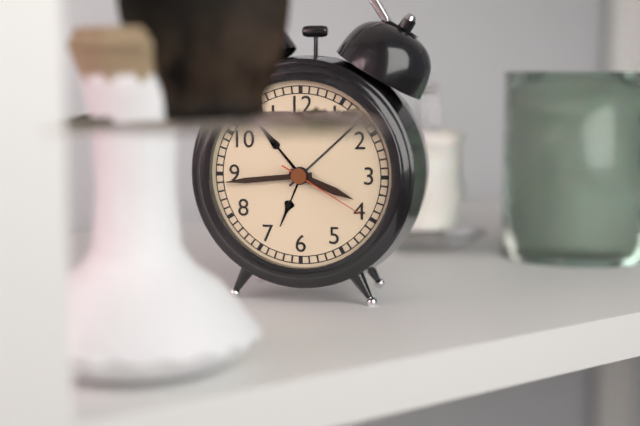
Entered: 3.44.20
